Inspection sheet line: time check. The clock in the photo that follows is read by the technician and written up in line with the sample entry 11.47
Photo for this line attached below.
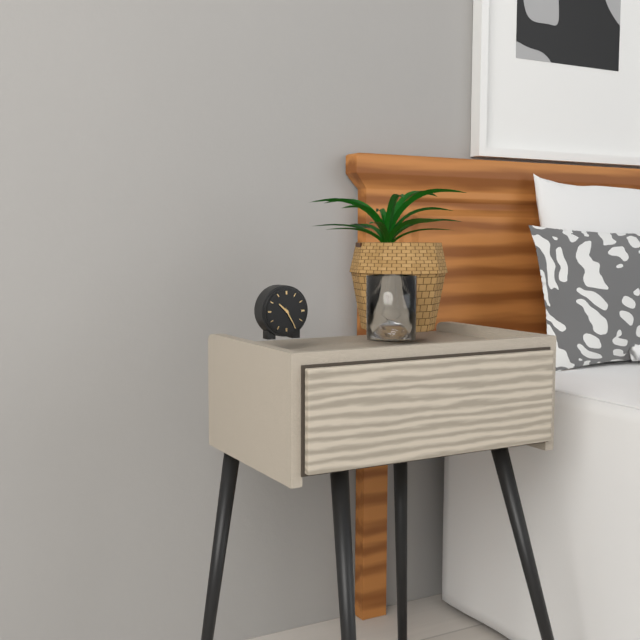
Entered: 10.25
